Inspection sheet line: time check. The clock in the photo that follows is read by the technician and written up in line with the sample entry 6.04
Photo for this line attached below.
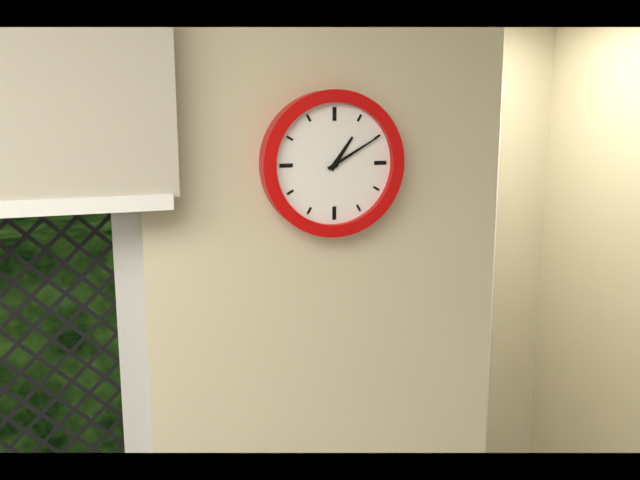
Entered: 1.10
